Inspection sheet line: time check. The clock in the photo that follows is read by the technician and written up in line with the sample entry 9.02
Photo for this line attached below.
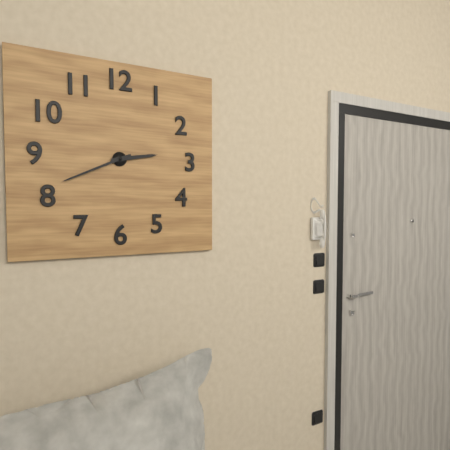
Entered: 2.41
